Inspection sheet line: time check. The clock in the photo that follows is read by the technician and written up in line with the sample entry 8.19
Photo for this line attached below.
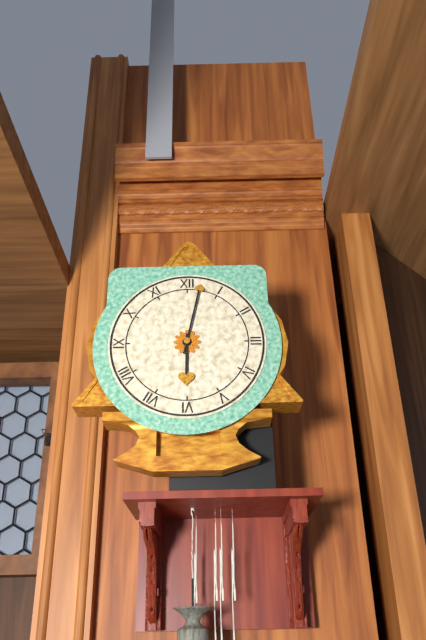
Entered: 6.02
